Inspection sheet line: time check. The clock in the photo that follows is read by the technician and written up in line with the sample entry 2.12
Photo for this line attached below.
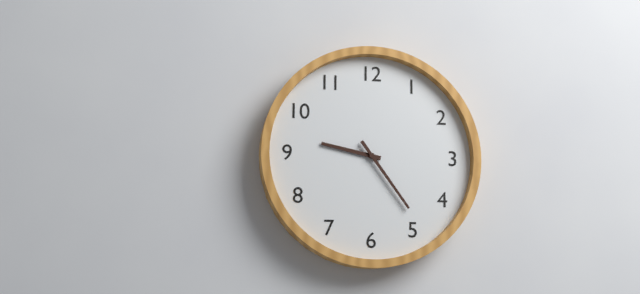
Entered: 9.24
